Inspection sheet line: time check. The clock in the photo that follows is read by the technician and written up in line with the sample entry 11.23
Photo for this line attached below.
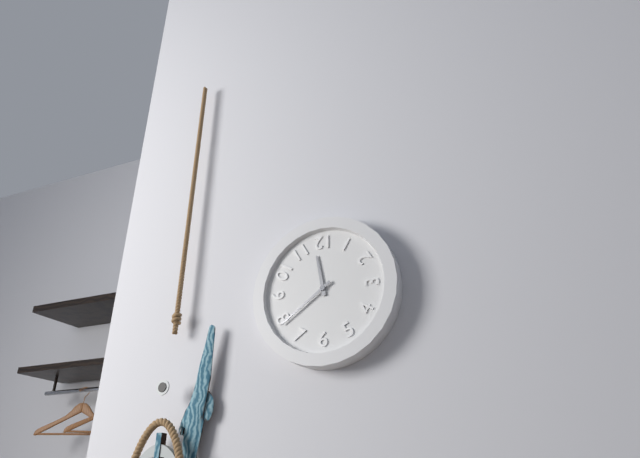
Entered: 11.39
